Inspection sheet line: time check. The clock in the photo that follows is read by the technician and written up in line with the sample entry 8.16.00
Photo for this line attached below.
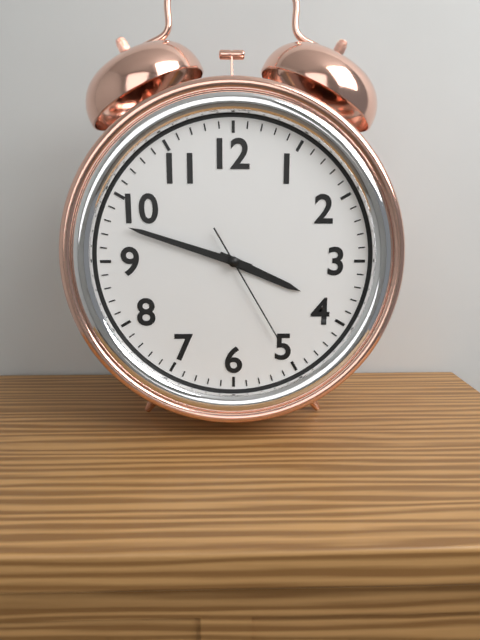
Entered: 3.48.25
